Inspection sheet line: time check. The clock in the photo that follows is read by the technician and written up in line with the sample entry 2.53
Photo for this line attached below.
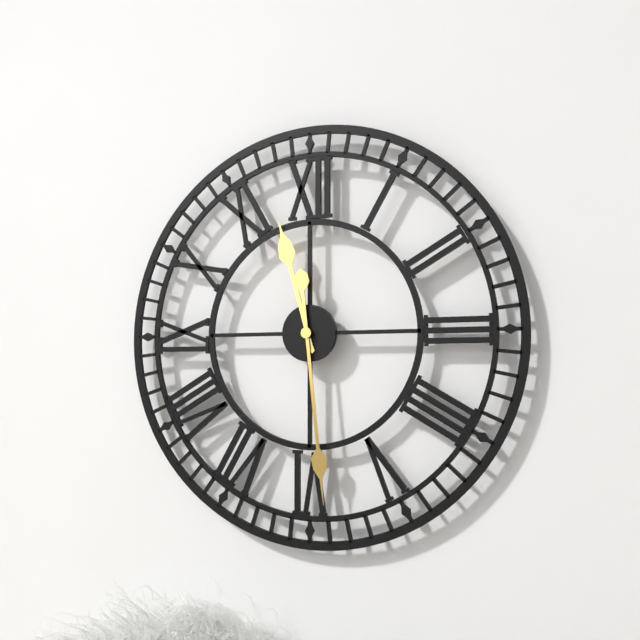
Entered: 11.29
